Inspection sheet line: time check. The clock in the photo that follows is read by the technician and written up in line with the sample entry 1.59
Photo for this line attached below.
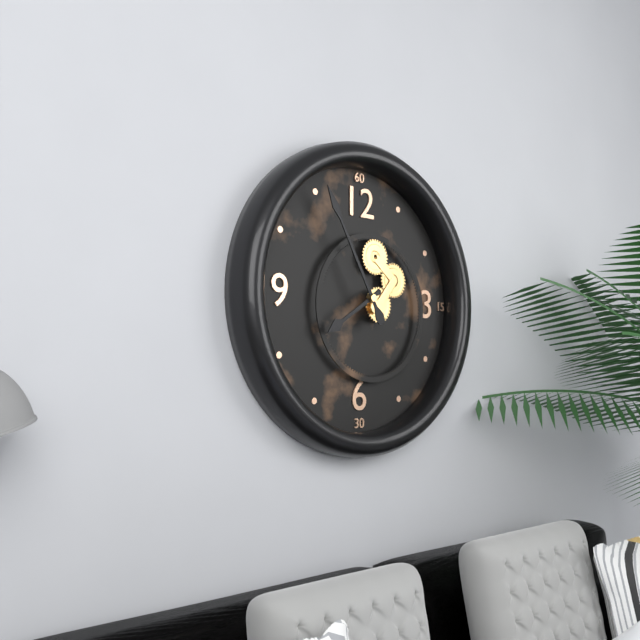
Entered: 7.55
